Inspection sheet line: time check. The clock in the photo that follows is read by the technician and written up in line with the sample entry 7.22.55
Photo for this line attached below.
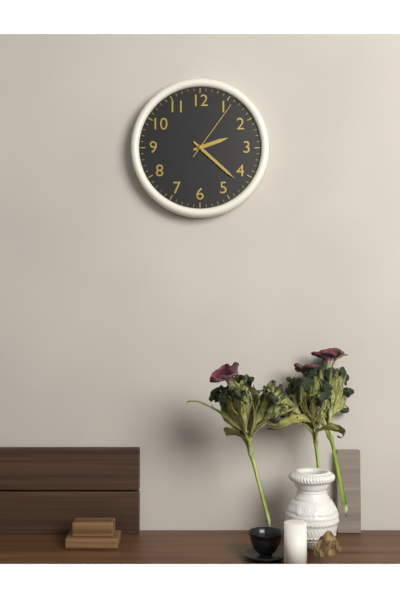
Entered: 2.22.06
